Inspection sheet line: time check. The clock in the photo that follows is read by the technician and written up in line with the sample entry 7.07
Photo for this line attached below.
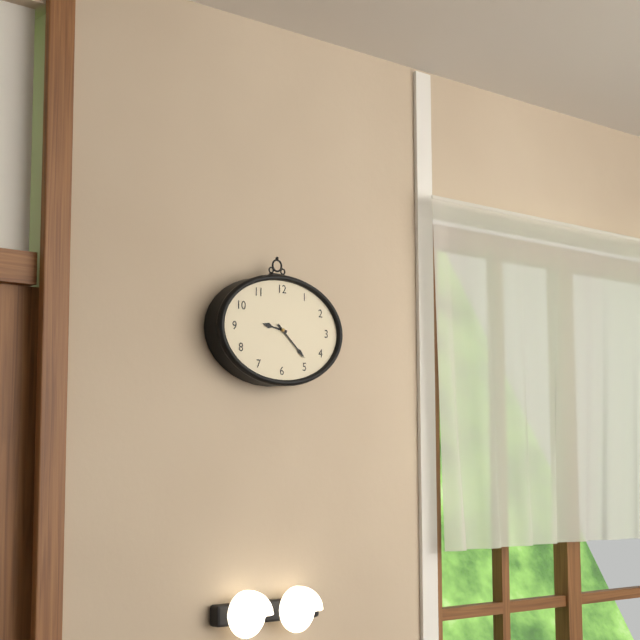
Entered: 9.22
